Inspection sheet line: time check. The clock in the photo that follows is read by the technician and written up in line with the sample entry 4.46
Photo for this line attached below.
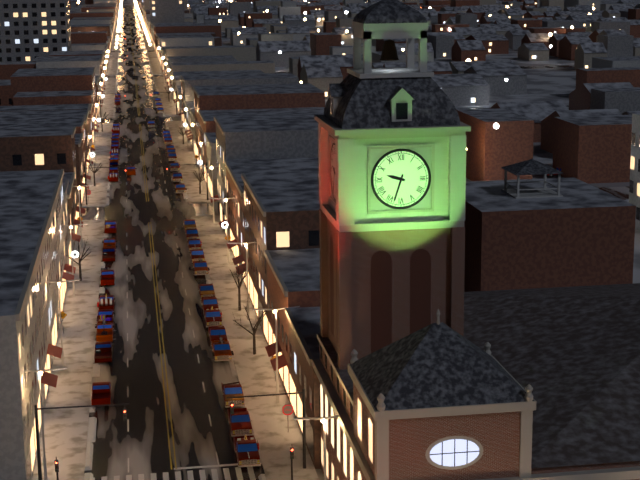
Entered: 9.33
